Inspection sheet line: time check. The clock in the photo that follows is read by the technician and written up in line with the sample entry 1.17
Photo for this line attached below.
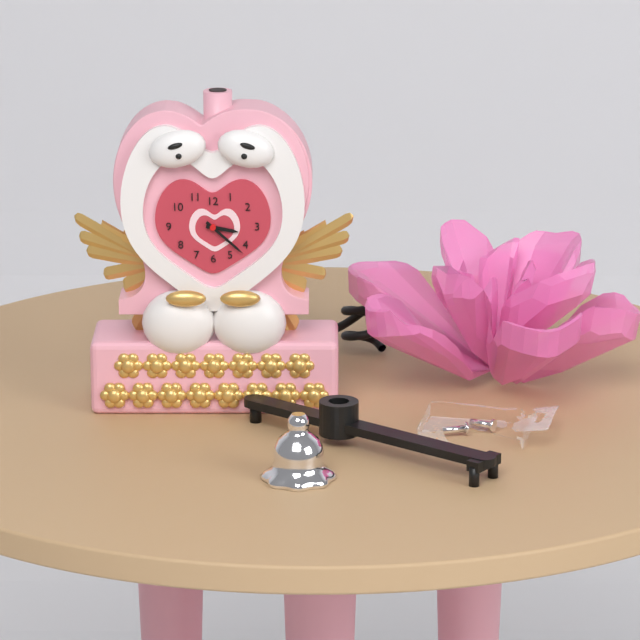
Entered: 3.22
